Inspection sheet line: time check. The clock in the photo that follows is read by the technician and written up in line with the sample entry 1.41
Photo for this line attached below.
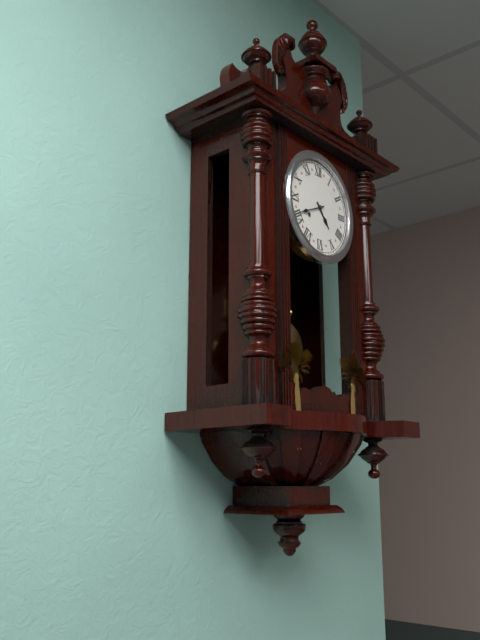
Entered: 4.41
